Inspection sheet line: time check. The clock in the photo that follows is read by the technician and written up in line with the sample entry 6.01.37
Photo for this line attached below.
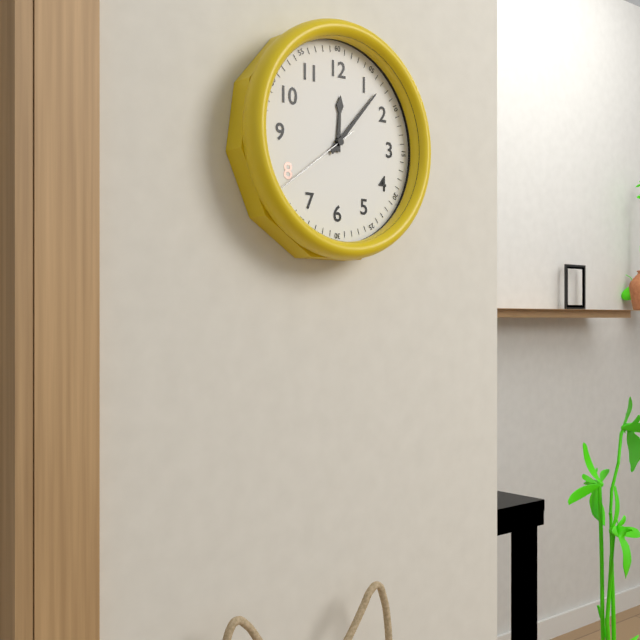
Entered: 12.07.39
